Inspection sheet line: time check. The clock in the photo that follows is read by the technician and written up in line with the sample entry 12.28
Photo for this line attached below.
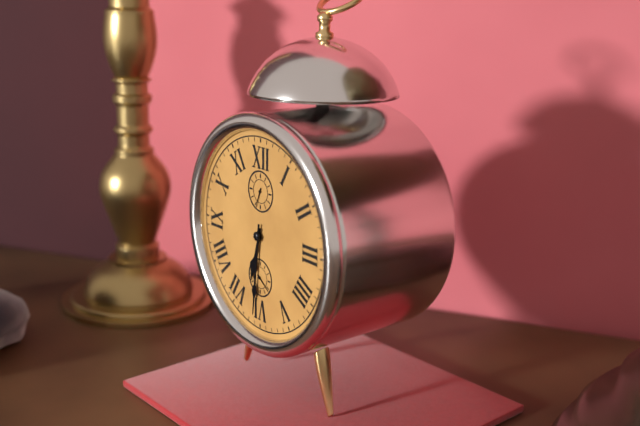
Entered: 6.31
